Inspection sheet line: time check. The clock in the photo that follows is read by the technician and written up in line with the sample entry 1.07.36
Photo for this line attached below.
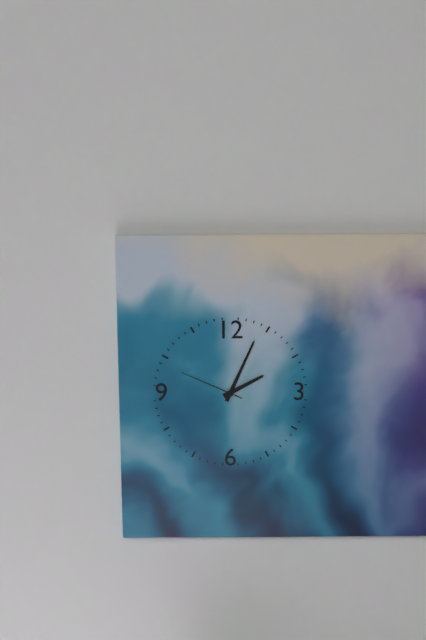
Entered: 2.04.49
